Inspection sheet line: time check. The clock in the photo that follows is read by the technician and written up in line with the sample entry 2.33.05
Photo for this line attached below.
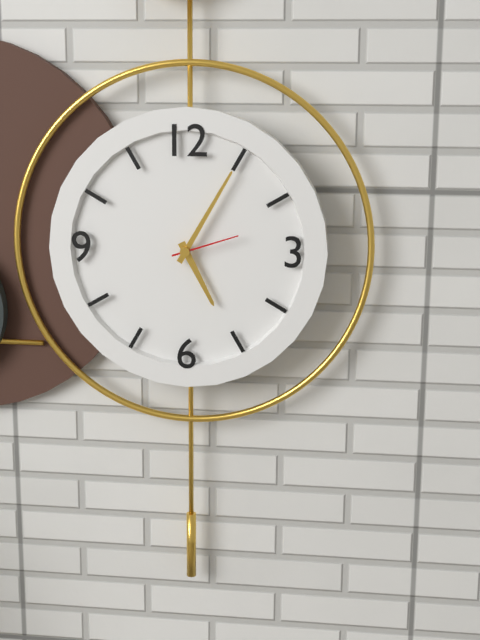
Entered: 5.05.12
